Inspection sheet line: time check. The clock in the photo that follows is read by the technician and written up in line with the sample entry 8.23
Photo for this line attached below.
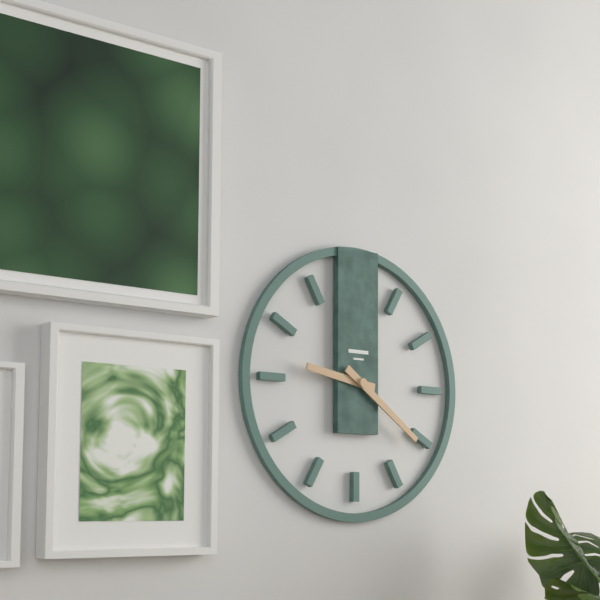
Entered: 9.21
